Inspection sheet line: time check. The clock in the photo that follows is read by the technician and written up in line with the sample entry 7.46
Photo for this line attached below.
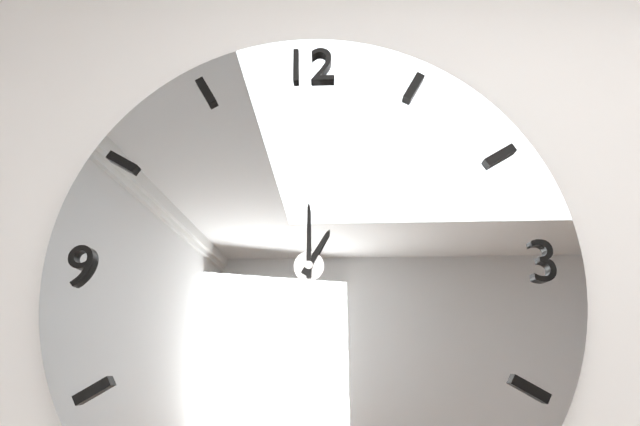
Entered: 1.00
